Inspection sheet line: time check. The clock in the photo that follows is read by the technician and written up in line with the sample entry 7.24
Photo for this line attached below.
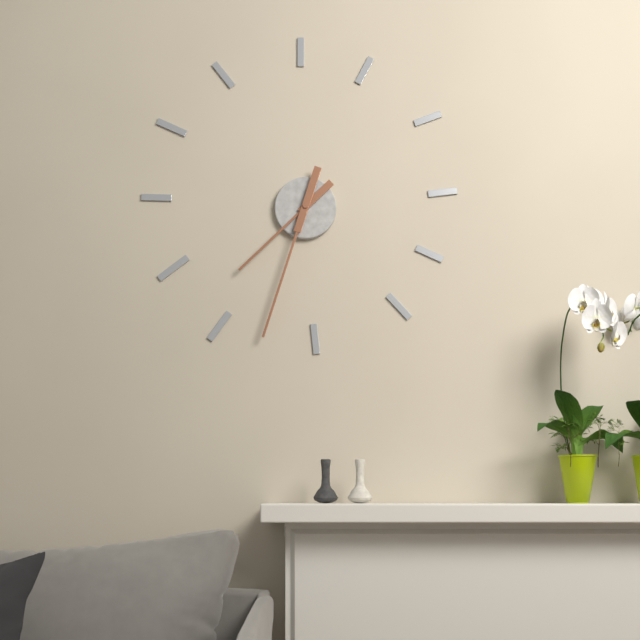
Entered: 7.33
